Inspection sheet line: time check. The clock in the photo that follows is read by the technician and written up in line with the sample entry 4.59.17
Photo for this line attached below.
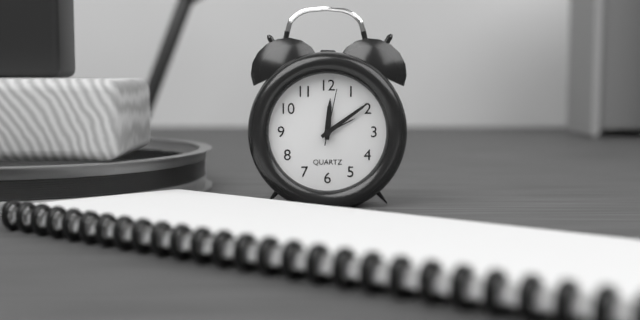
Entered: 12.09.02
